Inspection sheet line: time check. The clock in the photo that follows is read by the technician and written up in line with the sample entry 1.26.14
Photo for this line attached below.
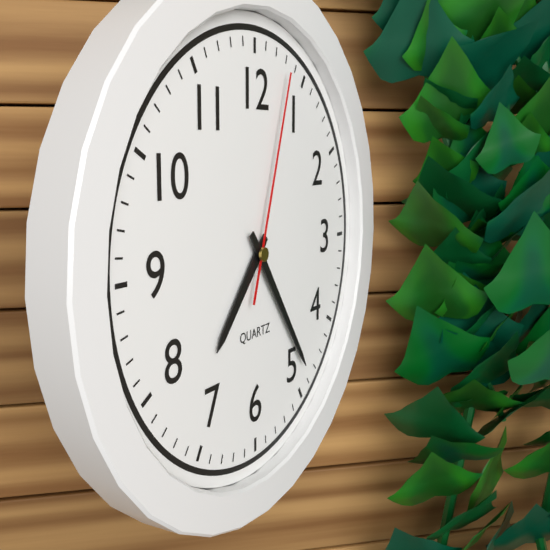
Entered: 7.24.03
